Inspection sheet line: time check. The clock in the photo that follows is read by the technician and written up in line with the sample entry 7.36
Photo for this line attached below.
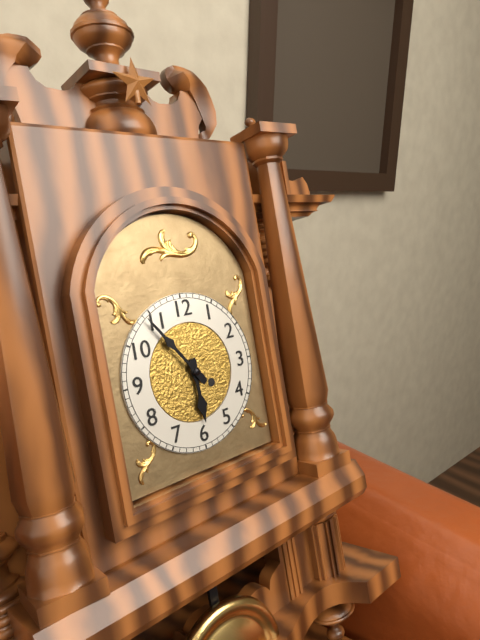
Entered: 5.54
